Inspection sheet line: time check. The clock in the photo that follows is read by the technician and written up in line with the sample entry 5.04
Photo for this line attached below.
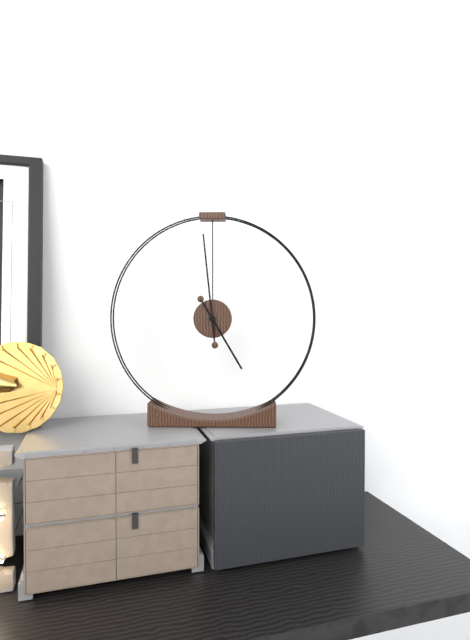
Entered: 4.59
